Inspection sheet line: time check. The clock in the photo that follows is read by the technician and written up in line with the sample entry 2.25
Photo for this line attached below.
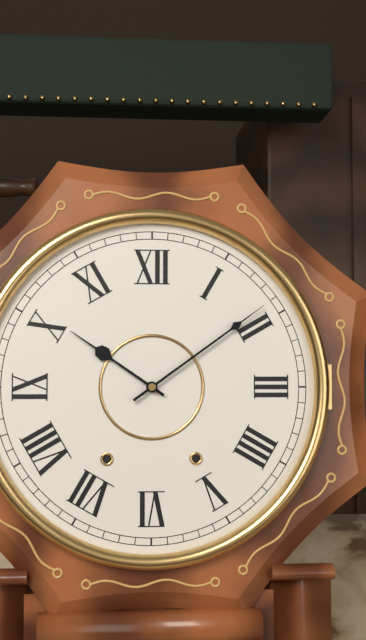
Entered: 10.09
